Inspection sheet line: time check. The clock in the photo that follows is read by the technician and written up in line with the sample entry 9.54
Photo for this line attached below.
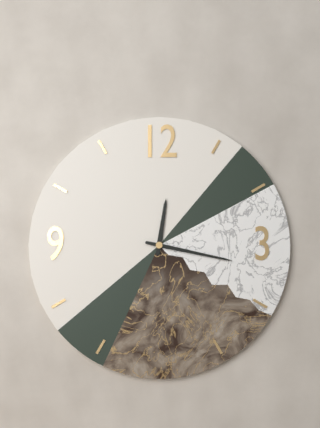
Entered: 12.17
